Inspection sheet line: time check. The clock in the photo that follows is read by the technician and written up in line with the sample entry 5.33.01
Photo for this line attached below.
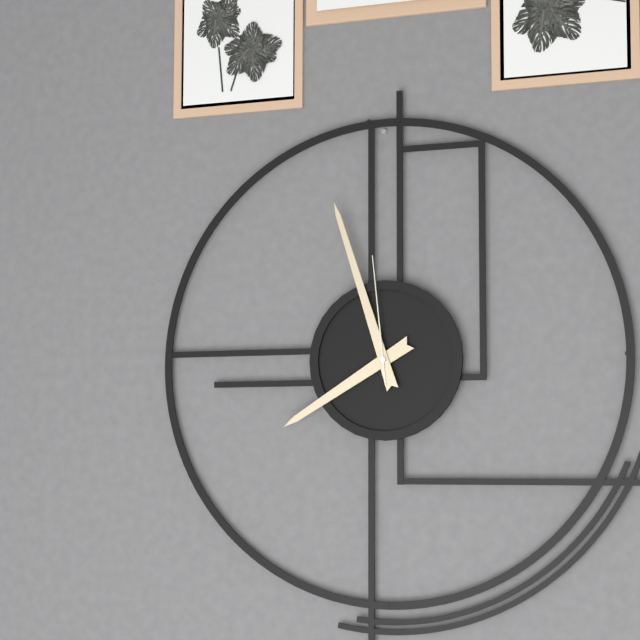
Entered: 7.57.59
